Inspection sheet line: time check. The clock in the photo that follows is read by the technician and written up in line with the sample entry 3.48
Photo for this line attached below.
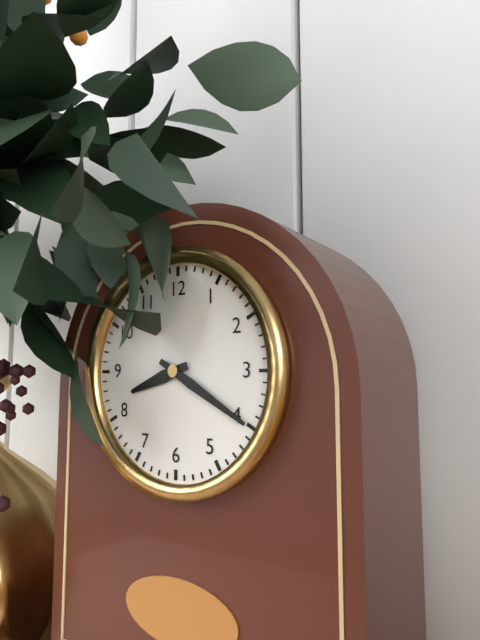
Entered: 8.20
